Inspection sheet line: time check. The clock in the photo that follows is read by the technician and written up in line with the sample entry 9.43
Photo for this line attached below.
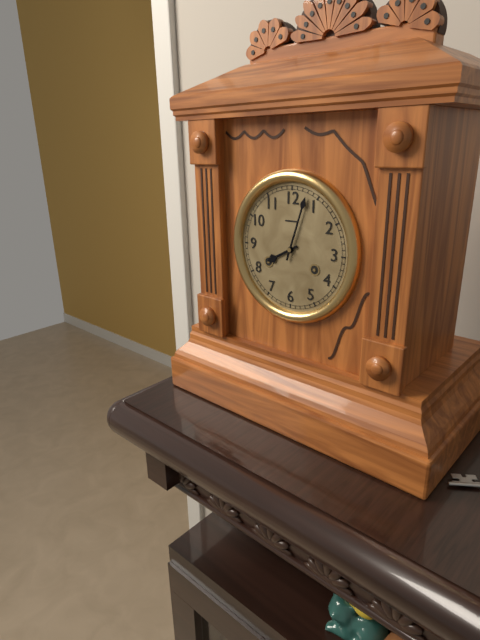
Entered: 8.03
